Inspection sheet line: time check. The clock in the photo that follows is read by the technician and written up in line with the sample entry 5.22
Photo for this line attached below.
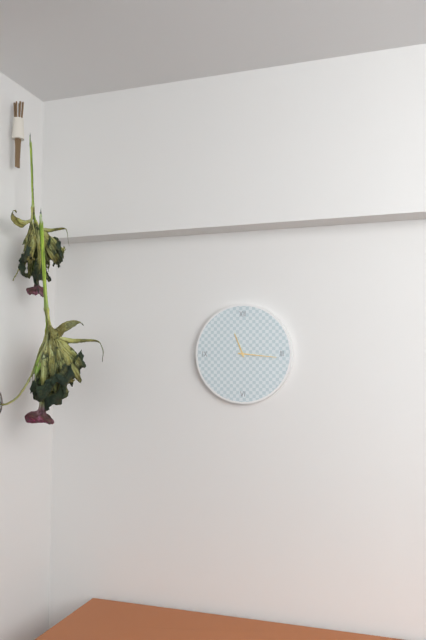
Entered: 11.16
